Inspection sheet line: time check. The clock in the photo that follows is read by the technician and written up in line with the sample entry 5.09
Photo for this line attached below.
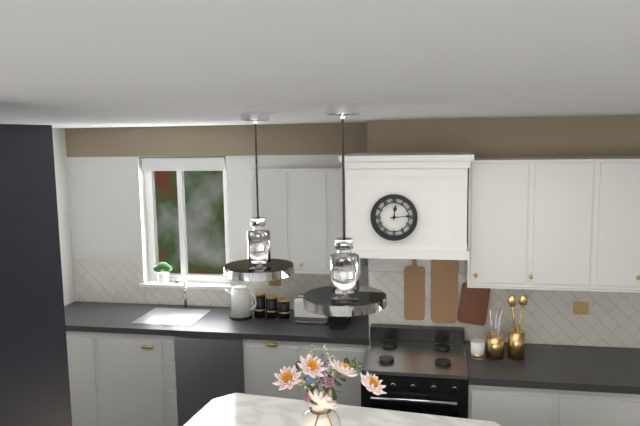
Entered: 12.14
